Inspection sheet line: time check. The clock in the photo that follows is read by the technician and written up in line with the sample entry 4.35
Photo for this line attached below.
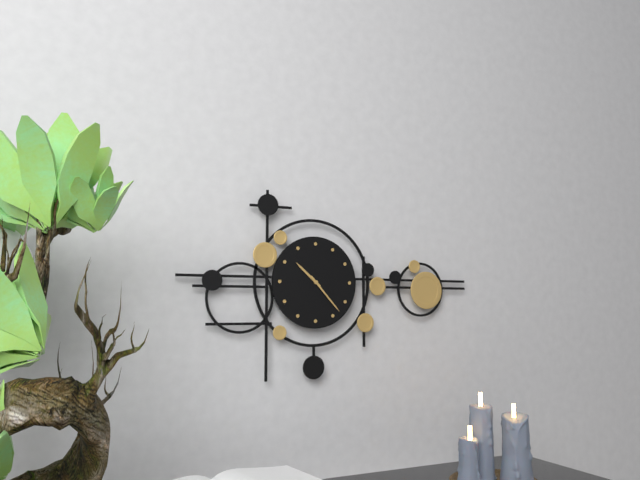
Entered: 10.23
